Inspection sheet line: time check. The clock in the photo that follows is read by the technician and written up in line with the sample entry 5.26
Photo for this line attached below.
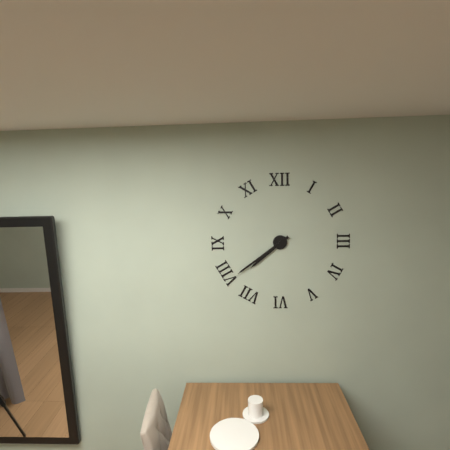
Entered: 7.39
